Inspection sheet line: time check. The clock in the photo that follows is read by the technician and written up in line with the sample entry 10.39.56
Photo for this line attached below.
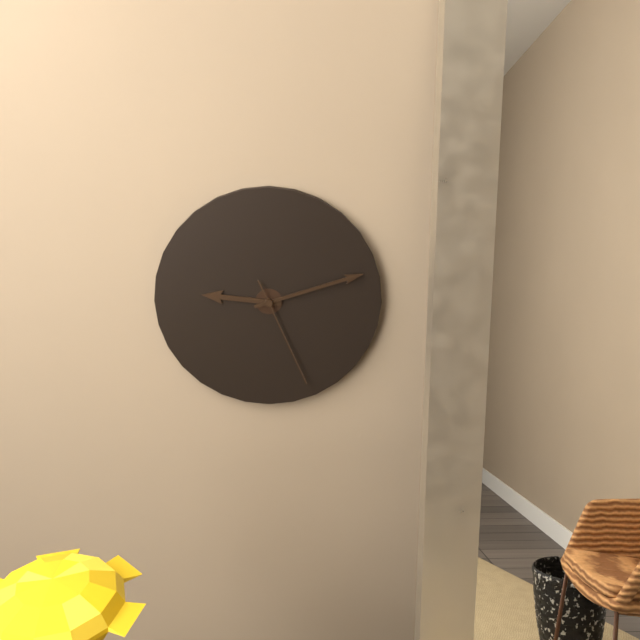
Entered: 9.12.26
